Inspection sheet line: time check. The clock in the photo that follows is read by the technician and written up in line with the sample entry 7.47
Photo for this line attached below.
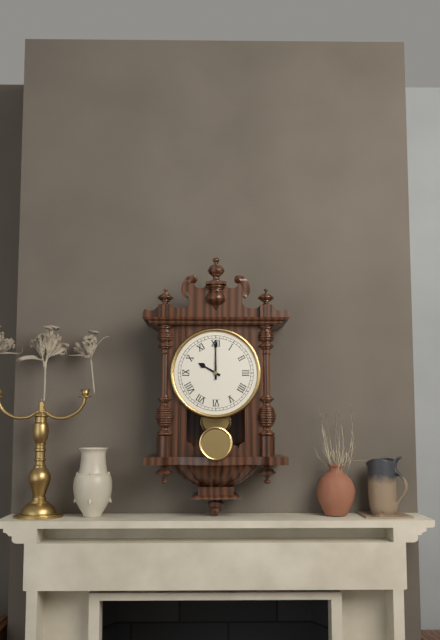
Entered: 10.00
